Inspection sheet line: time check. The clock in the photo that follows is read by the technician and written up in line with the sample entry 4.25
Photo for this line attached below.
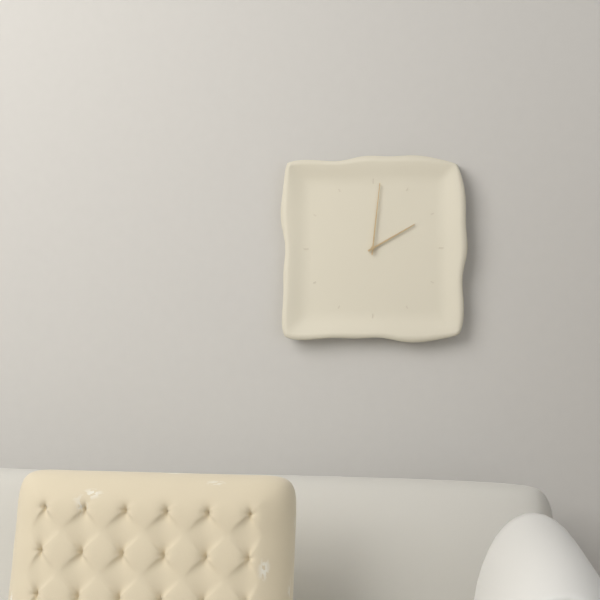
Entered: 2.01
